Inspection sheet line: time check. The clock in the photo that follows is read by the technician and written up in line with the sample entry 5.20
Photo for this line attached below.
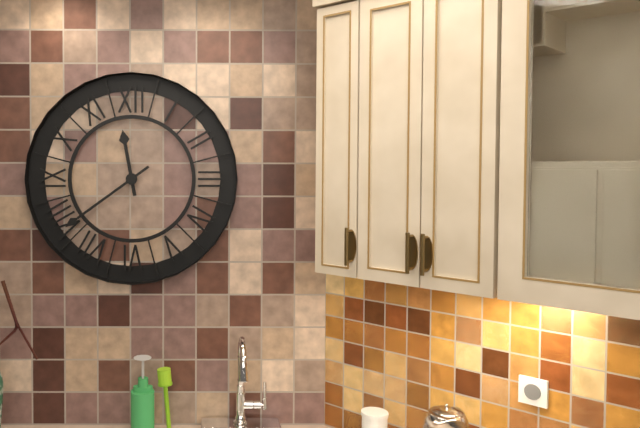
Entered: 11.39
